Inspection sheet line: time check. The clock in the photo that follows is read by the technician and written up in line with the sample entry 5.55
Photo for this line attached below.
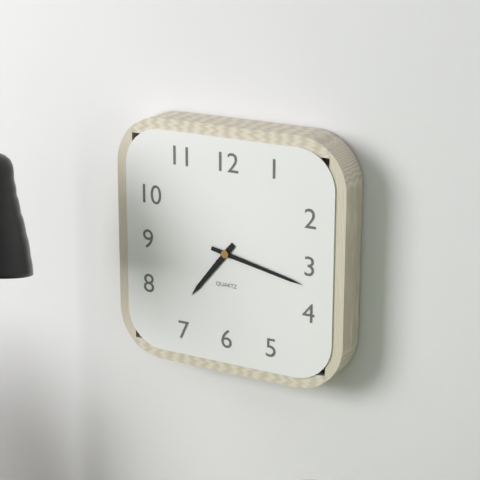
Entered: 7.17
